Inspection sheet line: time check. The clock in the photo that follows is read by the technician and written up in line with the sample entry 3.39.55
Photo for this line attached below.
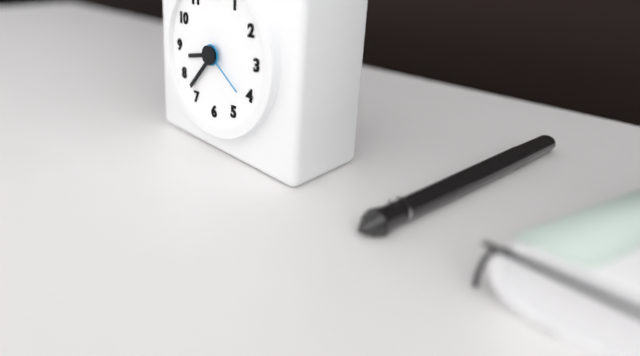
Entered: 8.37.21
